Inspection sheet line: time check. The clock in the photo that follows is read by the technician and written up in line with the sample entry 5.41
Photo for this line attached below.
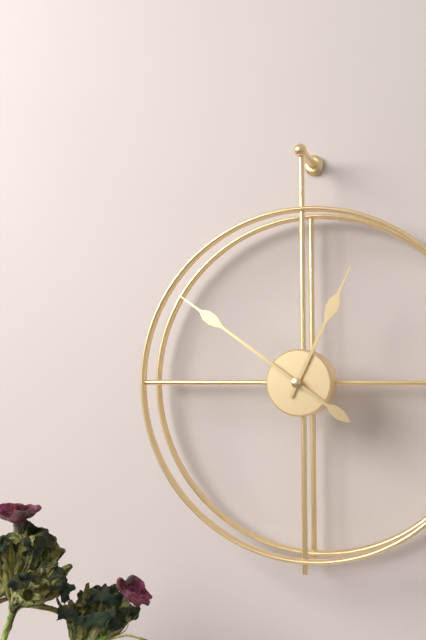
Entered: 12.51
